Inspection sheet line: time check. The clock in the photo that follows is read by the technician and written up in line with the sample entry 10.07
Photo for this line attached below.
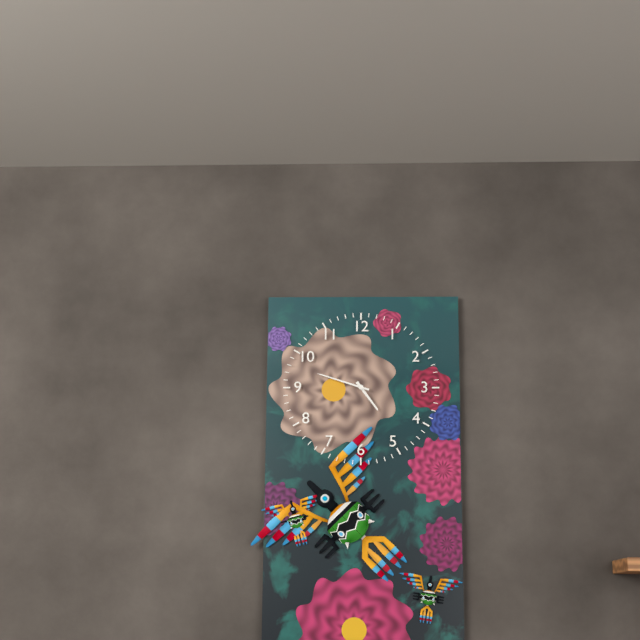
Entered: 4.48
